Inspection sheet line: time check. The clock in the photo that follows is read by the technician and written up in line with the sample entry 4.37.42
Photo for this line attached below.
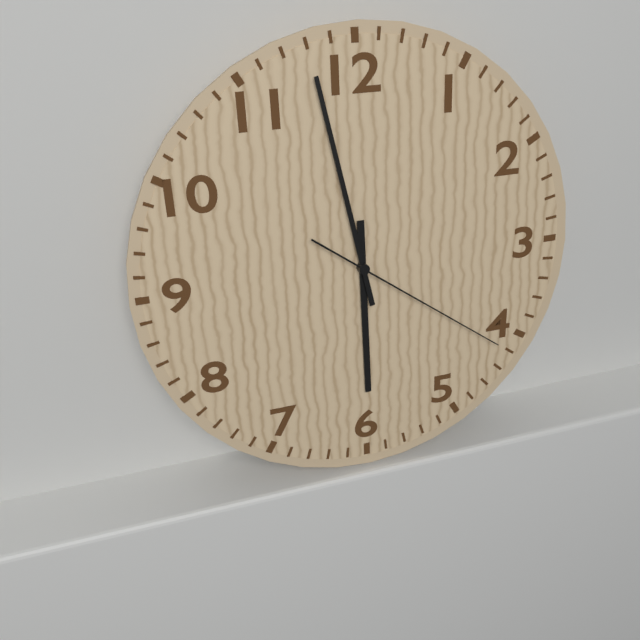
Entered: 5.58.21
